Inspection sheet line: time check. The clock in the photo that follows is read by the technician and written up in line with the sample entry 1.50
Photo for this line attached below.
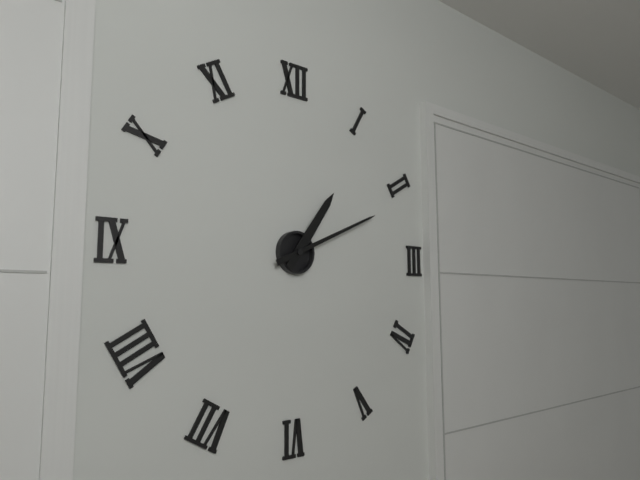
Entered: 1.11
